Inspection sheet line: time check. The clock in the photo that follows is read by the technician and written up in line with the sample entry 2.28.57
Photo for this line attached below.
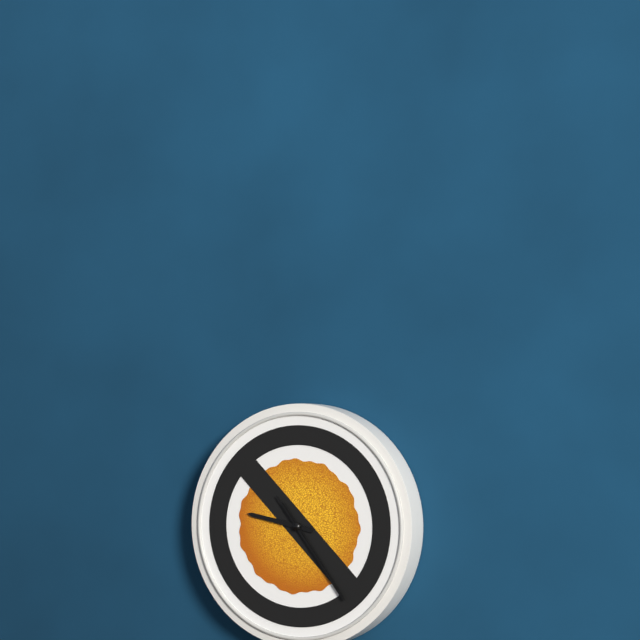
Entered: 9.24.24
